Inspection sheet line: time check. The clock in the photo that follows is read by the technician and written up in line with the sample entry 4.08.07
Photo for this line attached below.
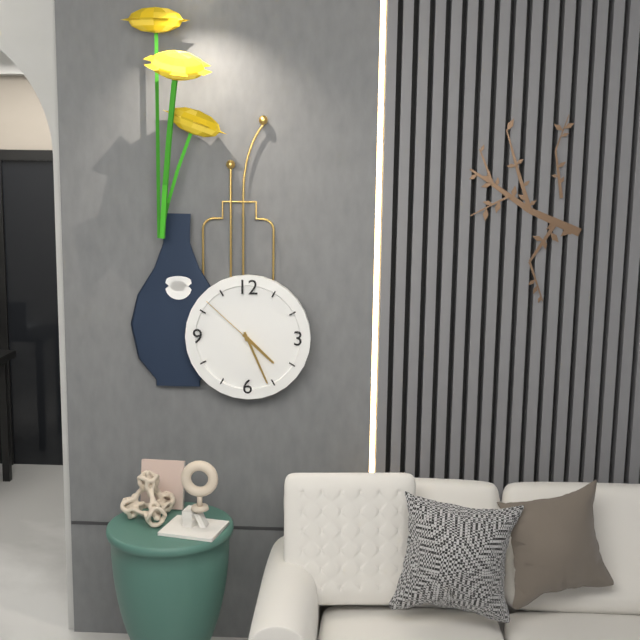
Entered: 4.26.52
